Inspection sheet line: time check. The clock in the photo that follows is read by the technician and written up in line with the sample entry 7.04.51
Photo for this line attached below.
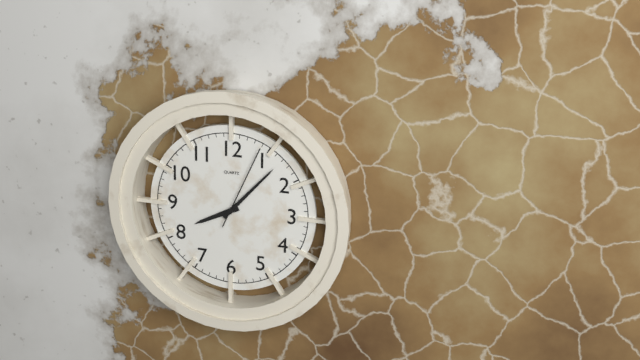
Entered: 8.07.04
